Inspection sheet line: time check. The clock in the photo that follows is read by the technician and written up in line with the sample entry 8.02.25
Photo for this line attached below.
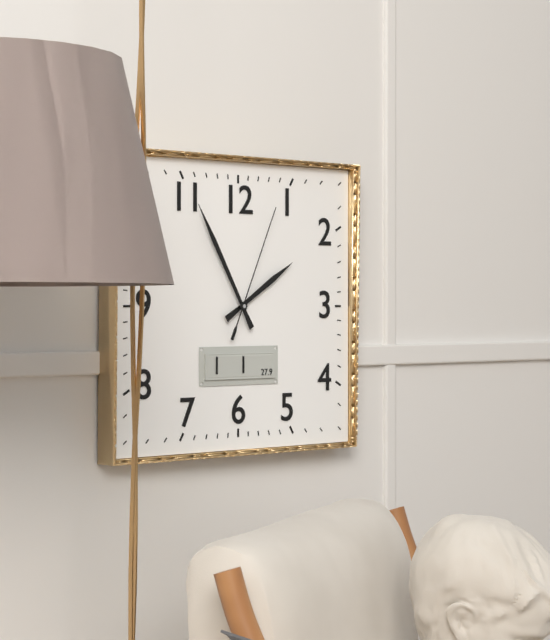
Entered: 1.55.04
